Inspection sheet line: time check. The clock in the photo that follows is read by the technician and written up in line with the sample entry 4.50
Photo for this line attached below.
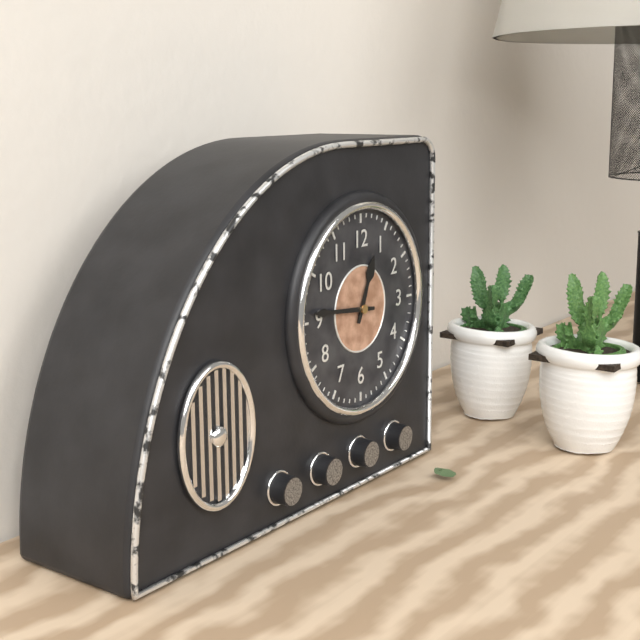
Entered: 12.46
